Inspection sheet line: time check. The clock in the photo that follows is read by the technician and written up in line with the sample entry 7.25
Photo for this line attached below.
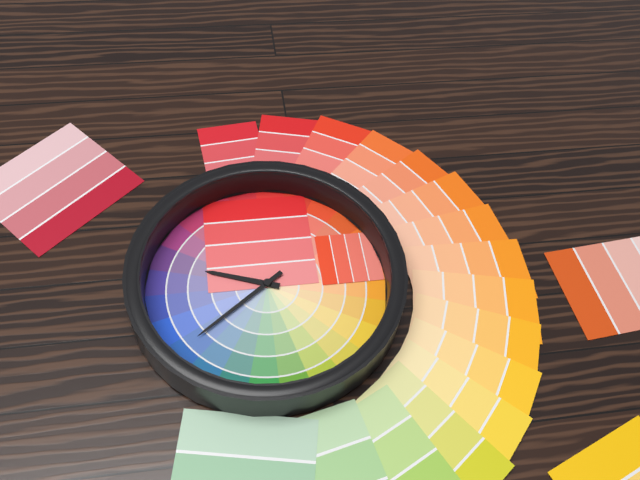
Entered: 9.39
